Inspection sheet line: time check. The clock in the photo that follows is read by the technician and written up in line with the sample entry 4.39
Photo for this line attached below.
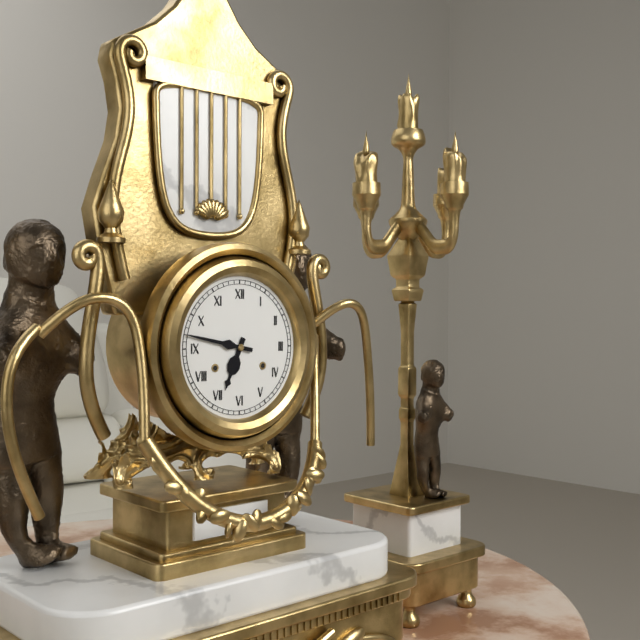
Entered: 6.47
